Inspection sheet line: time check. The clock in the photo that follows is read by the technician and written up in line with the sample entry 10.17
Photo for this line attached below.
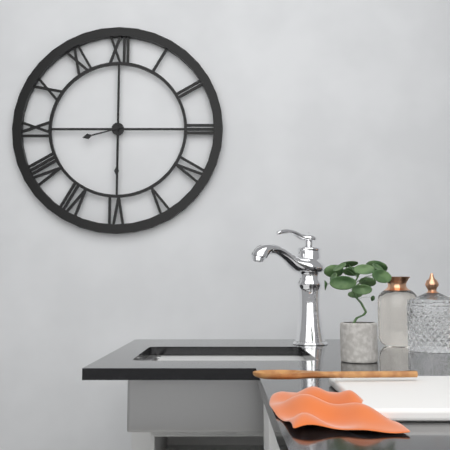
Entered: 8.30
